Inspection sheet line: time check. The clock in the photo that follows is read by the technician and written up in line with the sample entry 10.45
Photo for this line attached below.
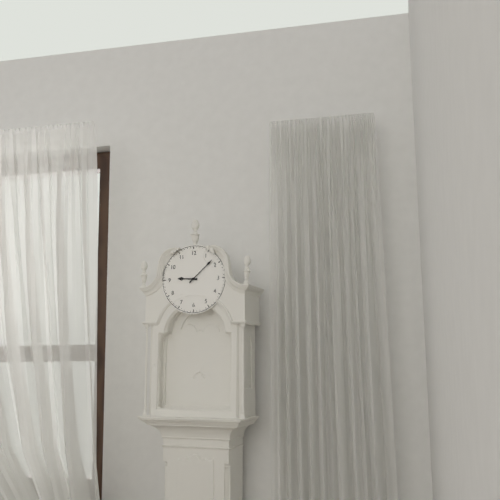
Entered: 9.08
